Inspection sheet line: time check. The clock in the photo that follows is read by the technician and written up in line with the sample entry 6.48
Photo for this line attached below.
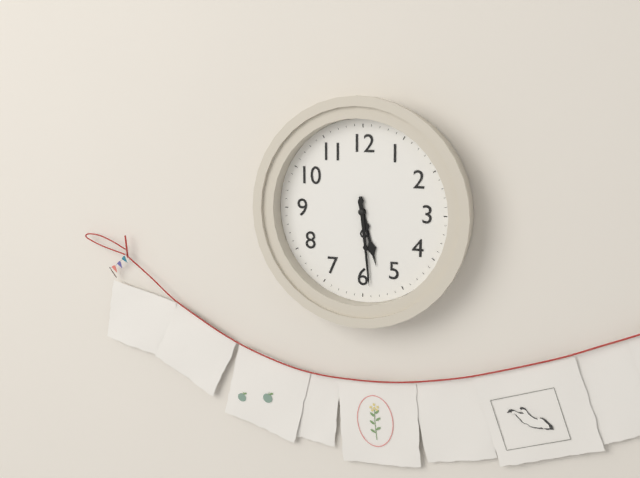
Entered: 5.29
